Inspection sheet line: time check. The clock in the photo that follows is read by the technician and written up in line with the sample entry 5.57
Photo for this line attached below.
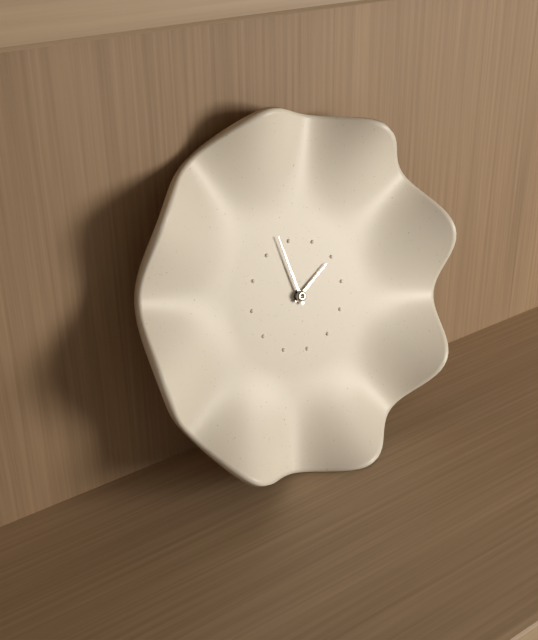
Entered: 1.58
